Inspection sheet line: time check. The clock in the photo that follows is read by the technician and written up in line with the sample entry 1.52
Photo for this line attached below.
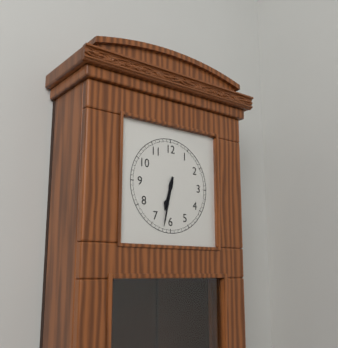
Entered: 6.32
